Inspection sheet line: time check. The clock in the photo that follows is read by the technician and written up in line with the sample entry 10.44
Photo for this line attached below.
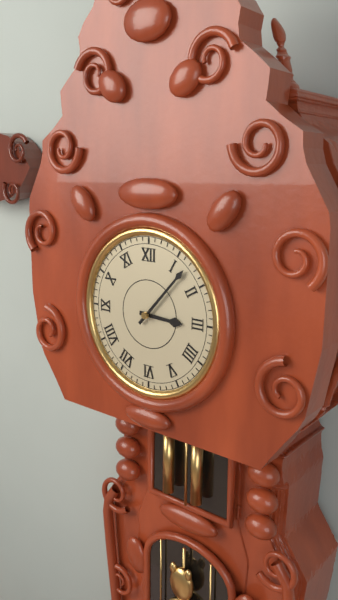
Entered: 3.07
